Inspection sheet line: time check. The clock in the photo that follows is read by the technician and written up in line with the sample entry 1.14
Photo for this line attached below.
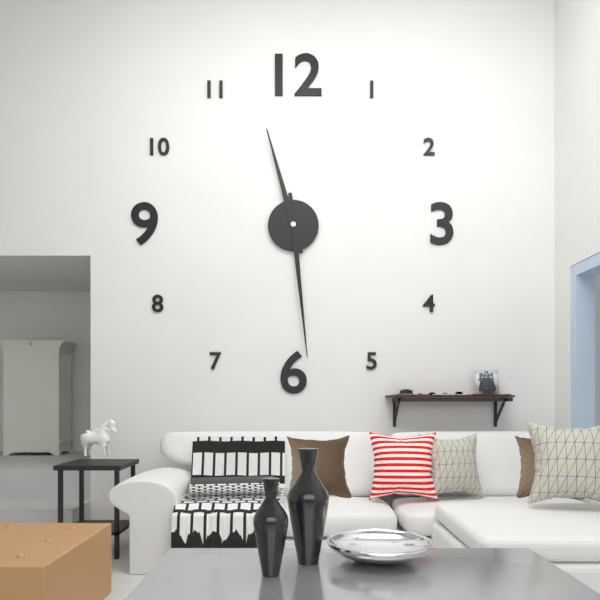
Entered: 11.29
